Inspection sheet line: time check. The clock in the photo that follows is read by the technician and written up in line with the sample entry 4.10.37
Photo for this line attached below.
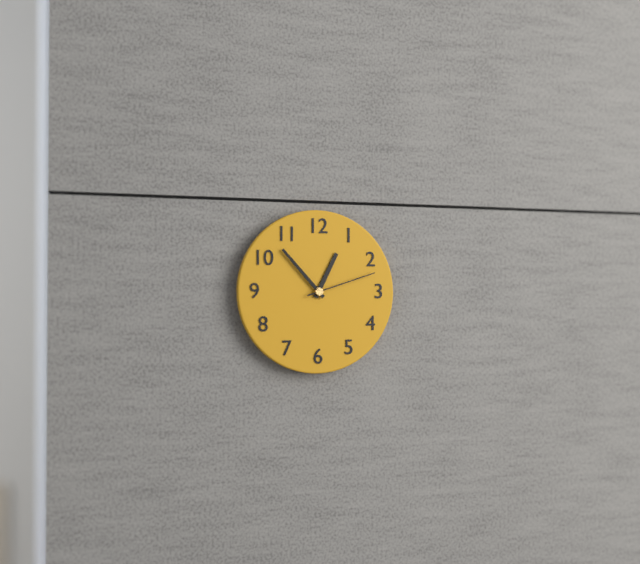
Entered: 12.53.12
